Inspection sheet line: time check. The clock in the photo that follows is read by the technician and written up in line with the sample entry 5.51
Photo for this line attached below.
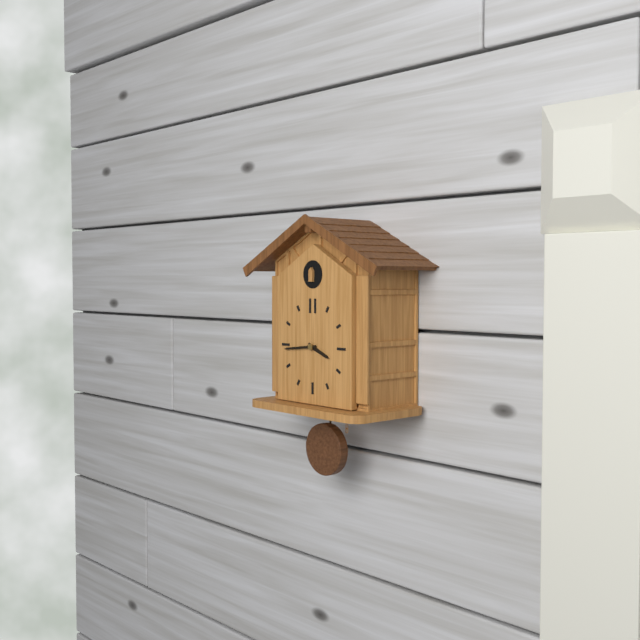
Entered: 3.44
